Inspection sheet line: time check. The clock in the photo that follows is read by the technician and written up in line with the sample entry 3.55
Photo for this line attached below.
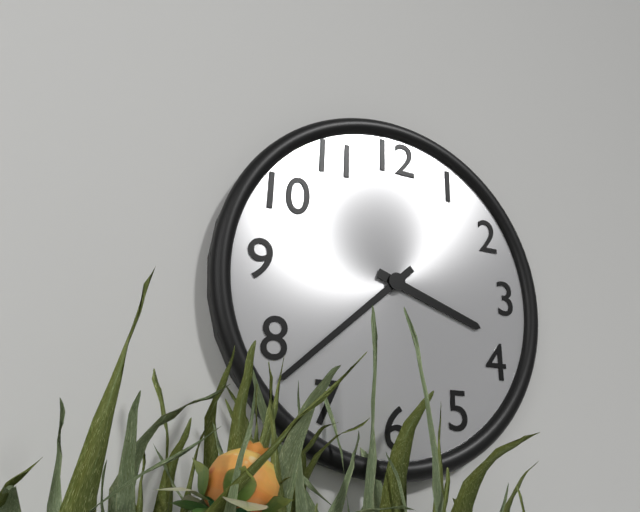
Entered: 3.38
